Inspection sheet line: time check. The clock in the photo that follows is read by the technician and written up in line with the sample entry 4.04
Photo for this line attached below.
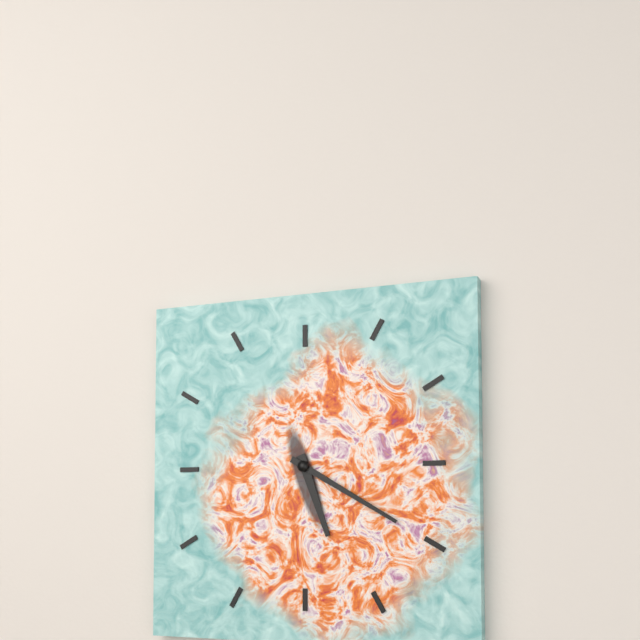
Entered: 5.20
